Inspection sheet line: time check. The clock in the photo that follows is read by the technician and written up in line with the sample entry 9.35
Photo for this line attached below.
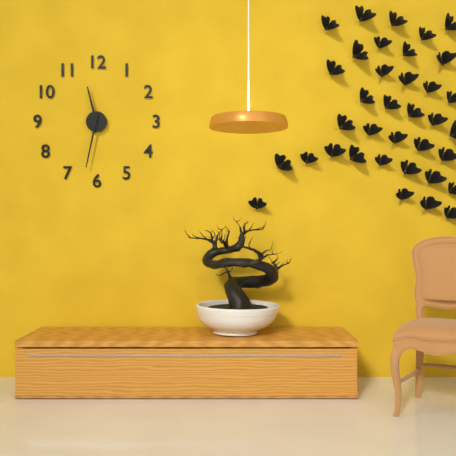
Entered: 11.32
